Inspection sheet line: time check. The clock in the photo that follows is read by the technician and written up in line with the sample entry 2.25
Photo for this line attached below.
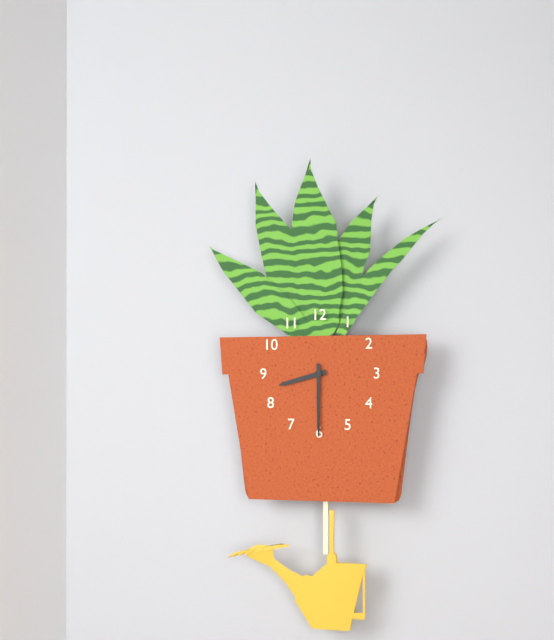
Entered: 8.30
